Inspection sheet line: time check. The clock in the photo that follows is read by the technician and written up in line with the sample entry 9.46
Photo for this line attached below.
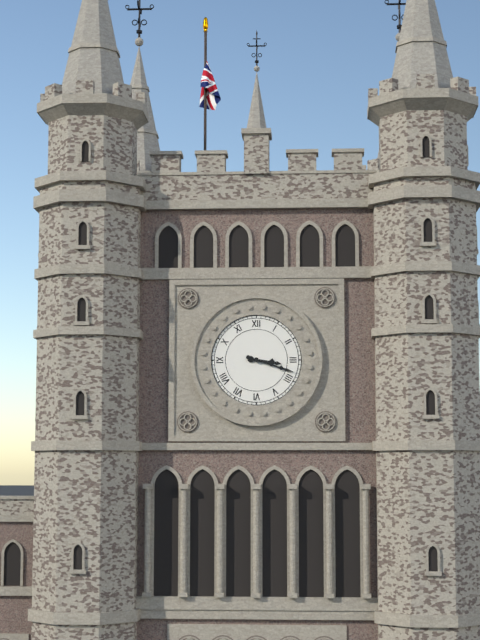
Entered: 3.18
